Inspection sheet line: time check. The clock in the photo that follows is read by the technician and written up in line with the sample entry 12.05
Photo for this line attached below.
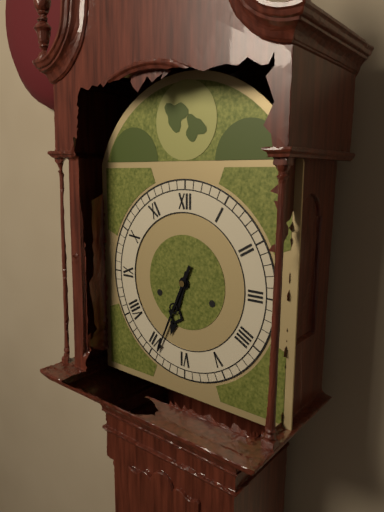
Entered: 6.34
